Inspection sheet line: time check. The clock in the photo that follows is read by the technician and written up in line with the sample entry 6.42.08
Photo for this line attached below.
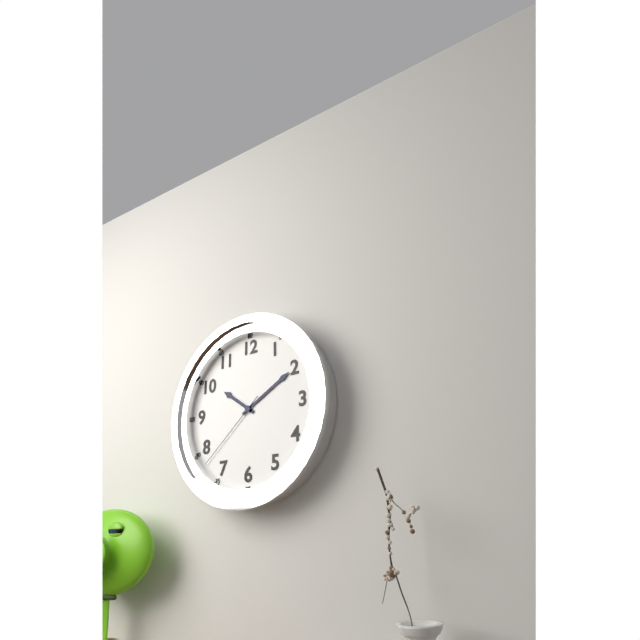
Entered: 10.10.38
